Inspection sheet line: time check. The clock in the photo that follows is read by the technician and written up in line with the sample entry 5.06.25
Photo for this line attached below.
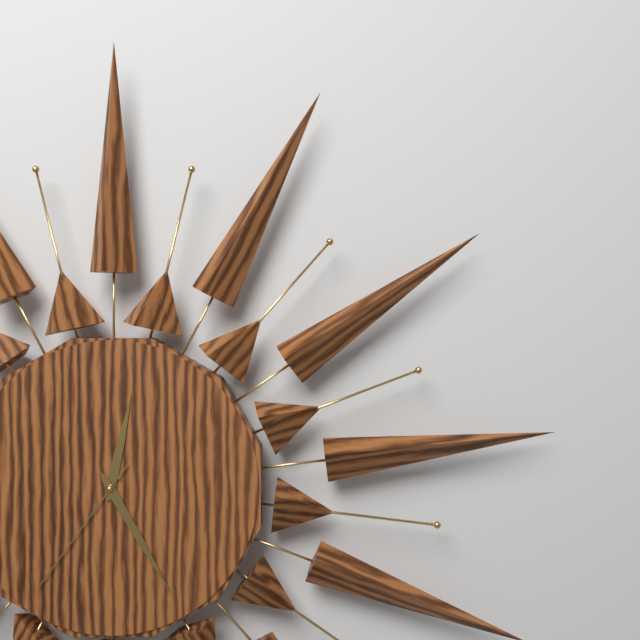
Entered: 12.25.36
